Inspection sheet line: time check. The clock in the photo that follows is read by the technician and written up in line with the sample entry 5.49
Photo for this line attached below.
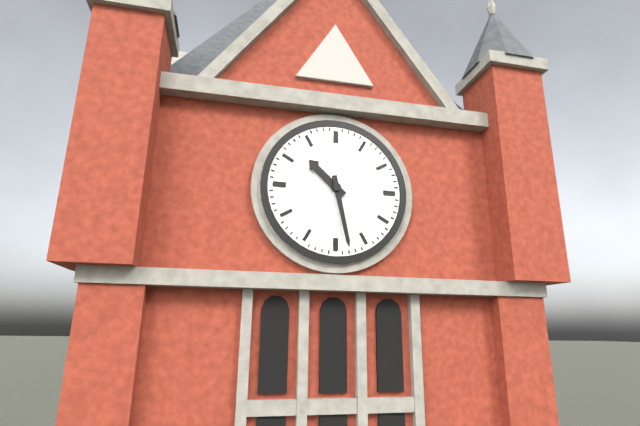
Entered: 10.28
